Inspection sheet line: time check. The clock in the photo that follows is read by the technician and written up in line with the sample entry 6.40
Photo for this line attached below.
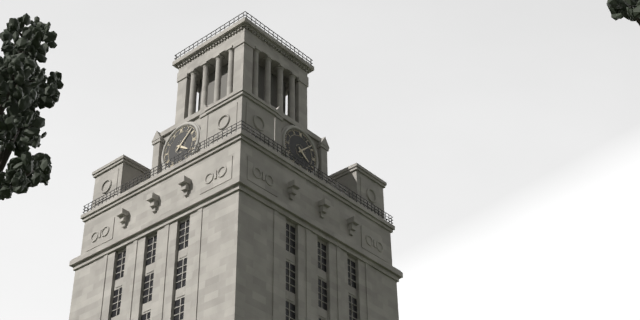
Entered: 4.08
